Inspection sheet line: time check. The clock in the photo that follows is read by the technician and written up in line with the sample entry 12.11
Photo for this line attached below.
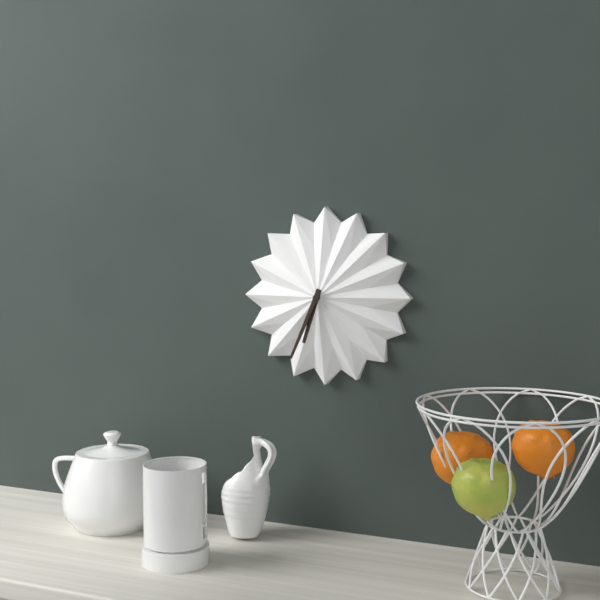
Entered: 6.34
